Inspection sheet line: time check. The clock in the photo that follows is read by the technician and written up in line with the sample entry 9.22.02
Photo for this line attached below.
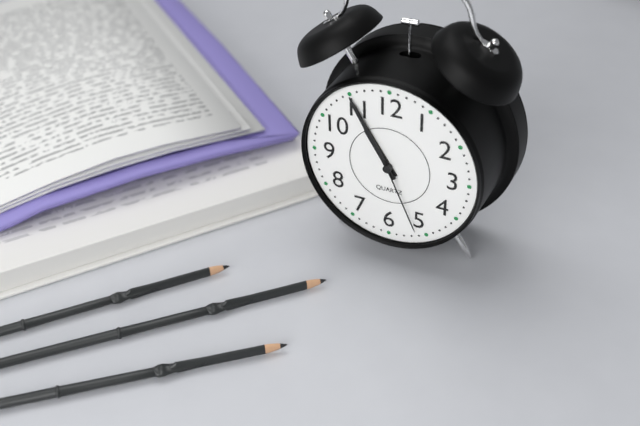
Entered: 10.55.26
